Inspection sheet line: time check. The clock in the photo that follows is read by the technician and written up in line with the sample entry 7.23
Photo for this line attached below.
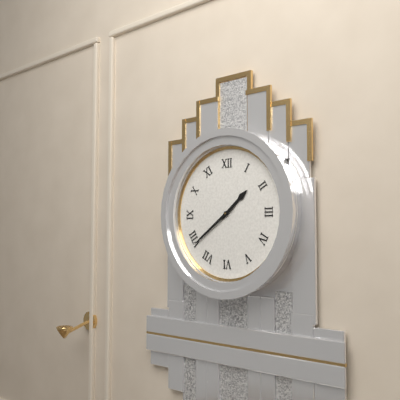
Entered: 1.39
